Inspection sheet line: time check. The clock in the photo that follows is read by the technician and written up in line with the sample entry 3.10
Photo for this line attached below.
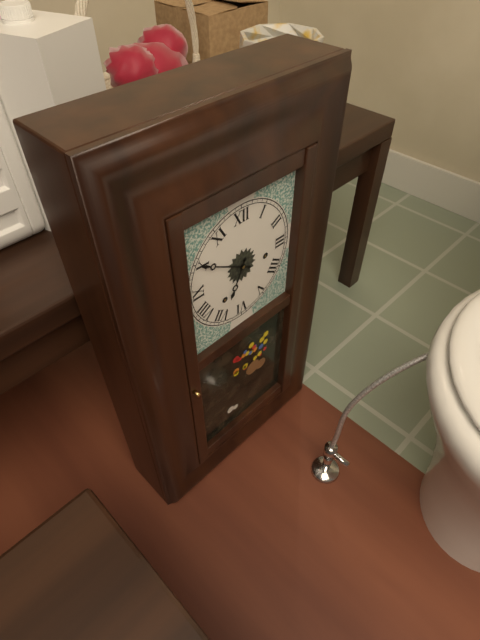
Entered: 6.50
